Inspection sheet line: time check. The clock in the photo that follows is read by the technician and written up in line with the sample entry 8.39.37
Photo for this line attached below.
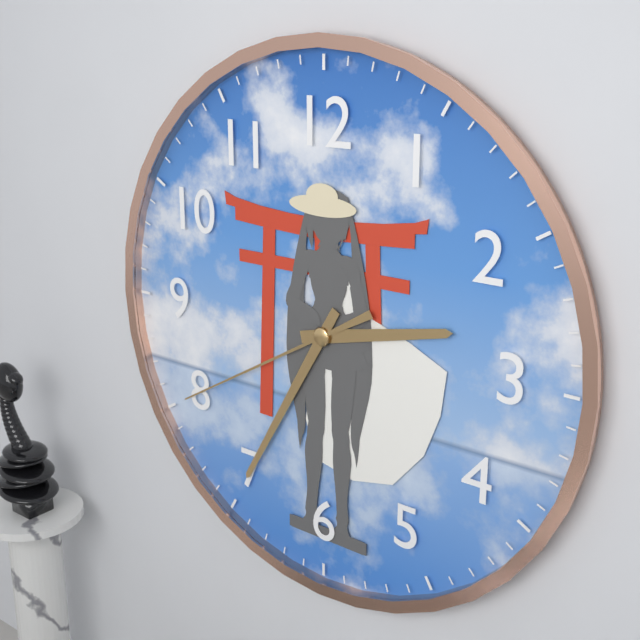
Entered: 2.35.40
